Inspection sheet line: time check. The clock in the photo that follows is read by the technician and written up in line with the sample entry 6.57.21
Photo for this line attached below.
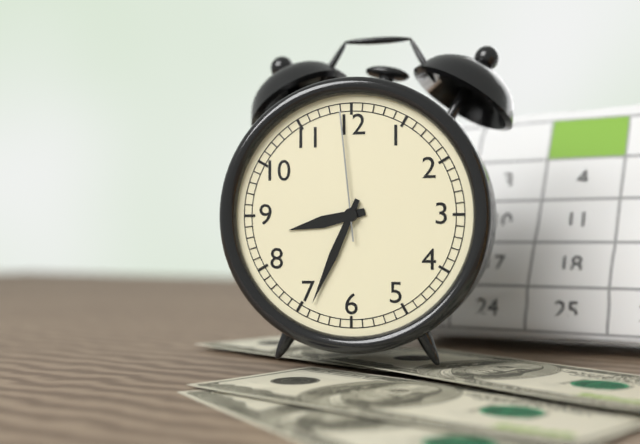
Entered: 8.34.59
